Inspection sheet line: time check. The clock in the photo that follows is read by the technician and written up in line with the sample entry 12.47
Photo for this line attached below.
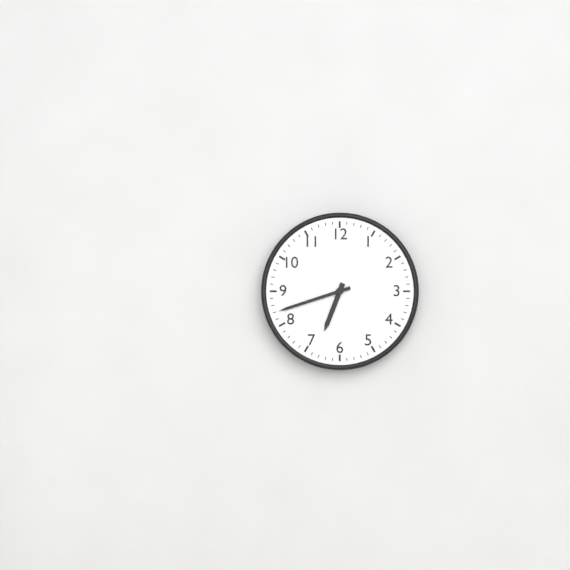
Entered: 6.42
